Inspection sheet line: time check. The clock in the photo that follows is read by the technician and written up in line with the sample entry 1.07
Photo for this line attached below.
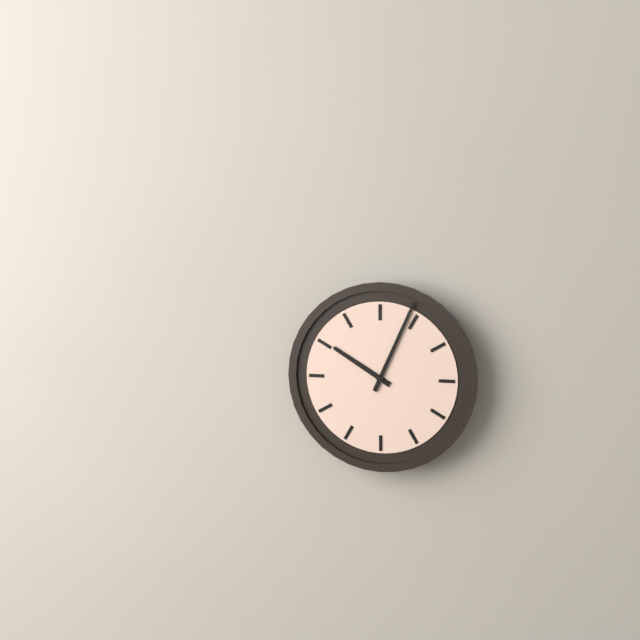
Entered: 10.04
